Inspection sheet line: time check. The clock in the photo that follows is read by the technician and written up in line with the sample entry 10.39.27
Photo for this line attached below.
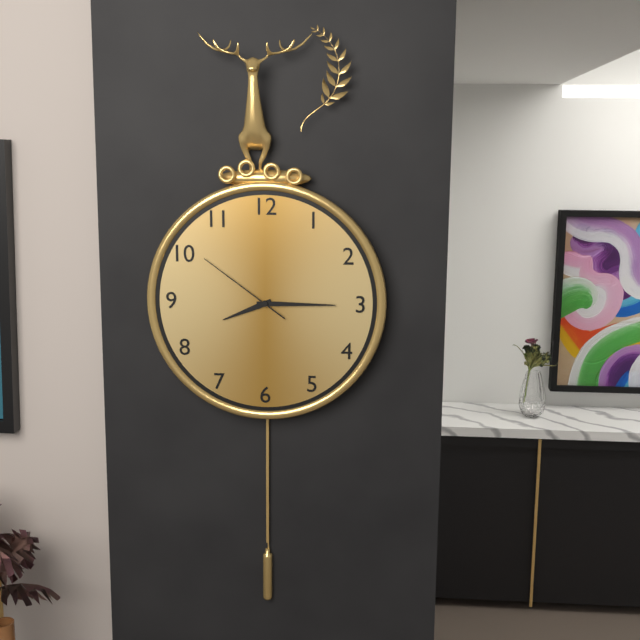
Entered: 8.15.51
